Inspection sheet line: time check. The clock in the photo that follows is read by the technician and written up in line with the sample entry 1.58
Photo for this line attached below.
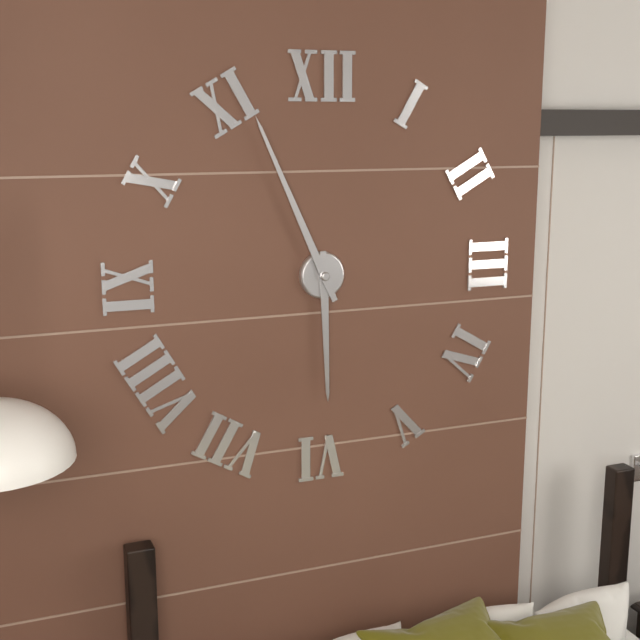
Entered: 5.56
